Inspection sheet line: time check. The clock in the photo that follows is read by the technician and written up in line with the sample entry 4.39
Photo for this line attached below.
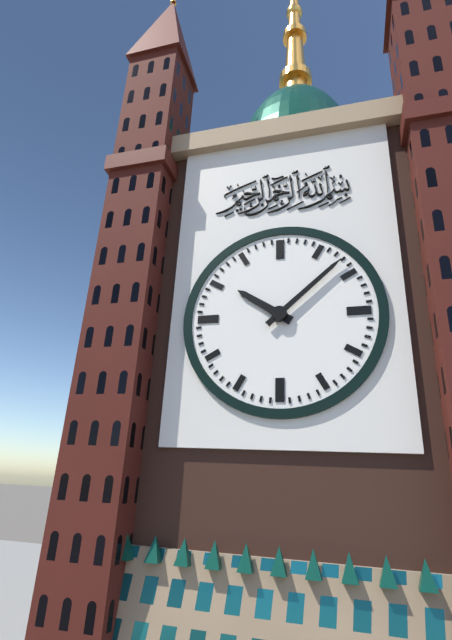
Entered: 10.08
